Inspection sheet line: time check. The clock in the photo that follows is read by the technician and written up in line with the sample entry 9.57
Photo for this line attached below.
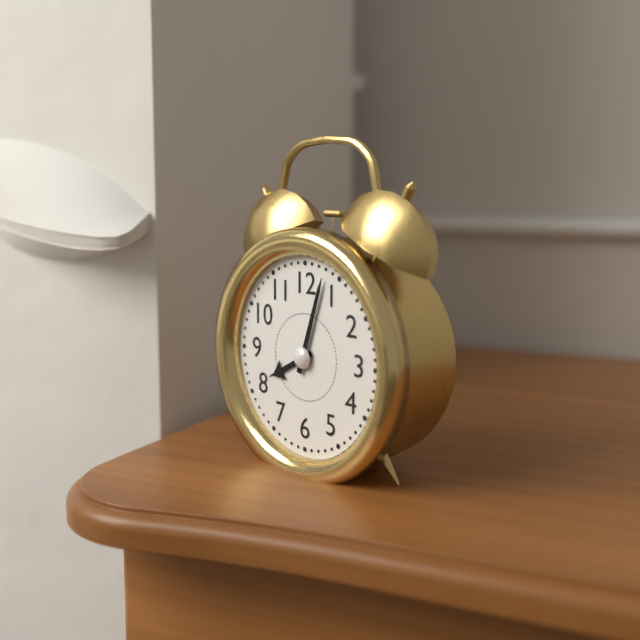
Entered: 8.03
